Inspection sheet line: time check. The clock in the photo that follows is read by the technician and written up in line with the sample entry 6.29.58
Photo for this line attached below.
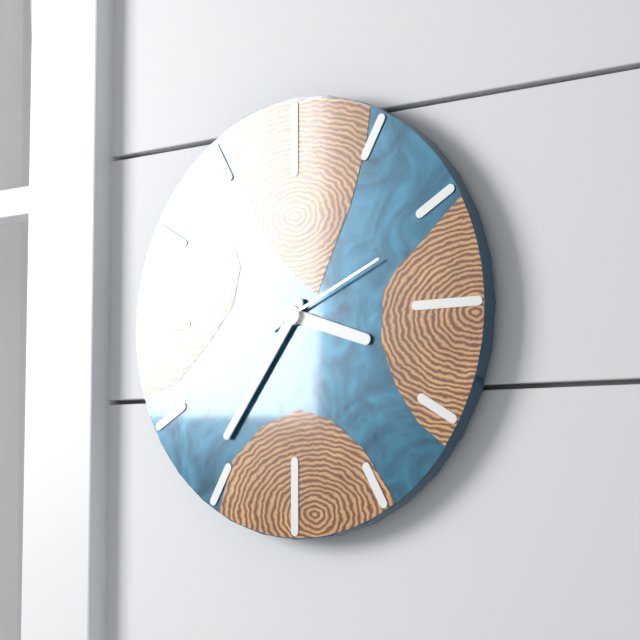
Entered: 3.36.11
